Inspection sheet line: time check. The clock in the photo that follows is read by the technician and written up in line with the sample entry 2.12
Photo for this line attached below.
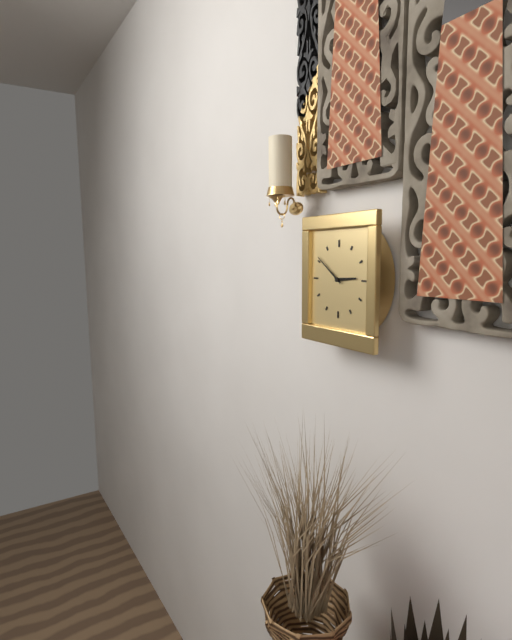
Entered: 2.51
